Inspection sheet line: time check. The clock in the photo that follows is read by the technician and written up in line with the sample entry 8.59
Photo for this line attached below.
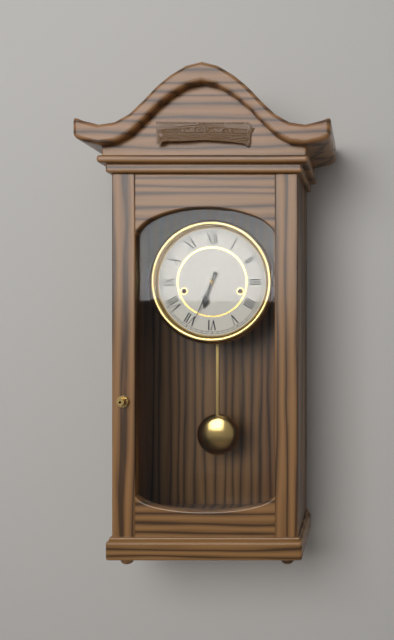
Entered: 6.34
